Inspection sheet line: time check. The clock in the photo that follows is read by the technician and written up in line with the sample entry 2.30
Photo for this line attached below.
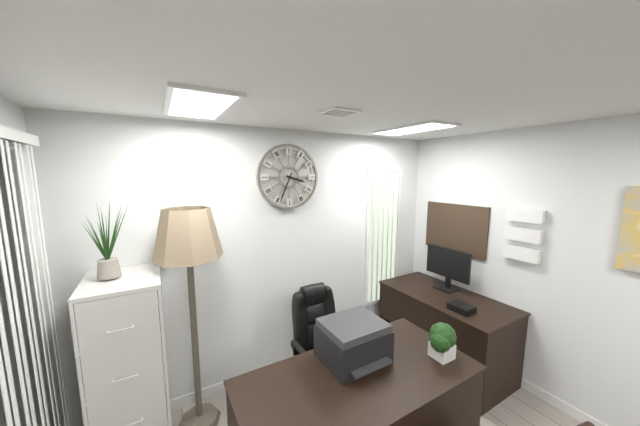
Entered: 3.34
